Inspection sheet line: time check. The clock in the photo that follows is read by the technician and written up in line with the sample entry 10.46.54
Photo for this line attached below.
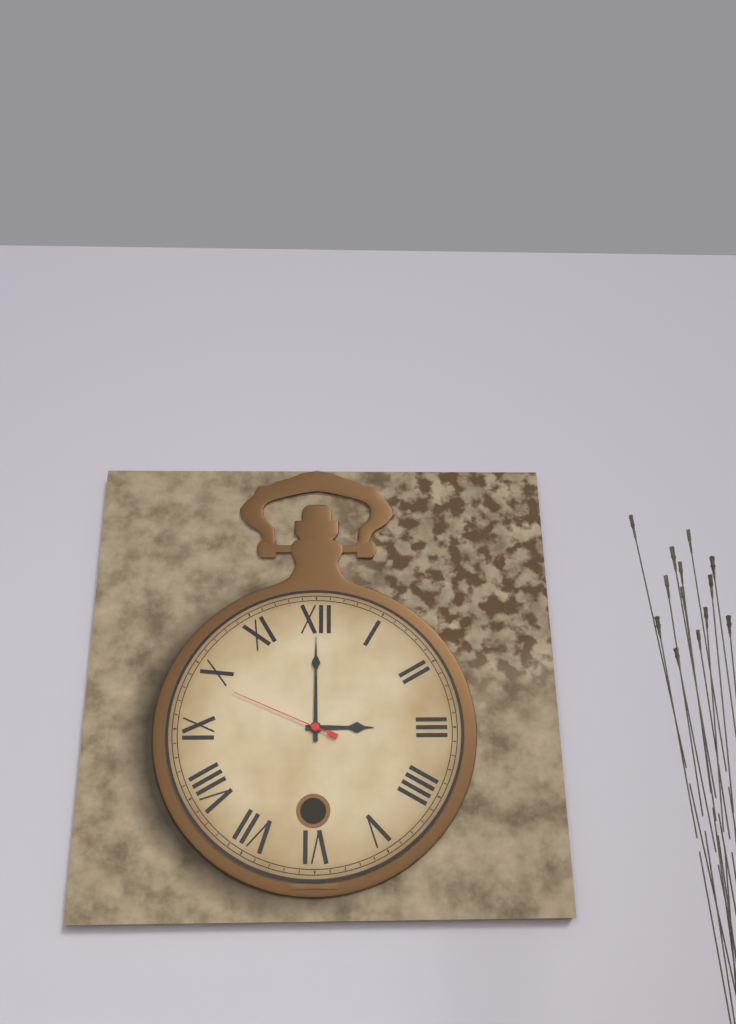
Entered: 3.00.49
